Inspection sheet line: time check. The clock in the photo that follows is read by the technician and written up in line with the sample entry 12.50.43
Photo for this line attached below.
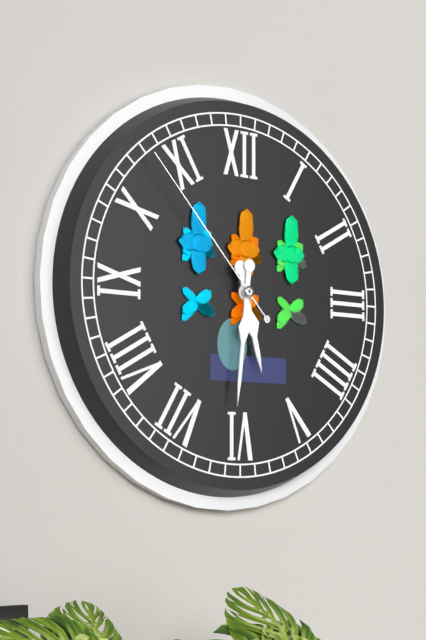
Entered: 5.31.53
